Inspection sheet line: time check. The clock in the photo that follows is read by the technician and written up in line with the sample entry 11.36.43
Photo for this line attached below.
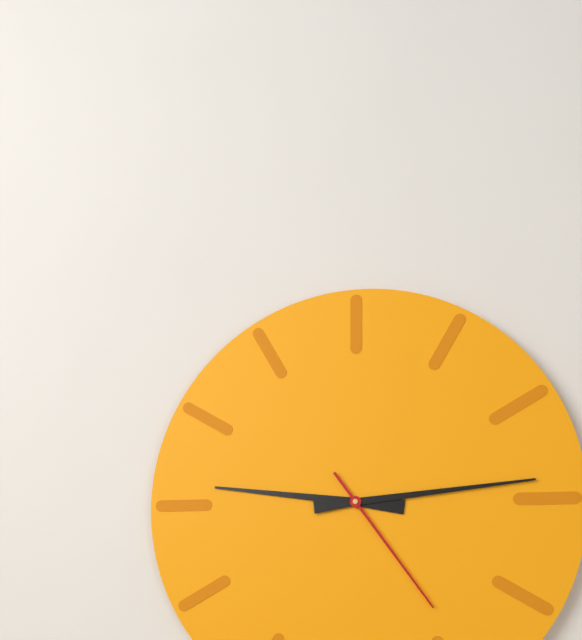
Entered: 9.14.24
